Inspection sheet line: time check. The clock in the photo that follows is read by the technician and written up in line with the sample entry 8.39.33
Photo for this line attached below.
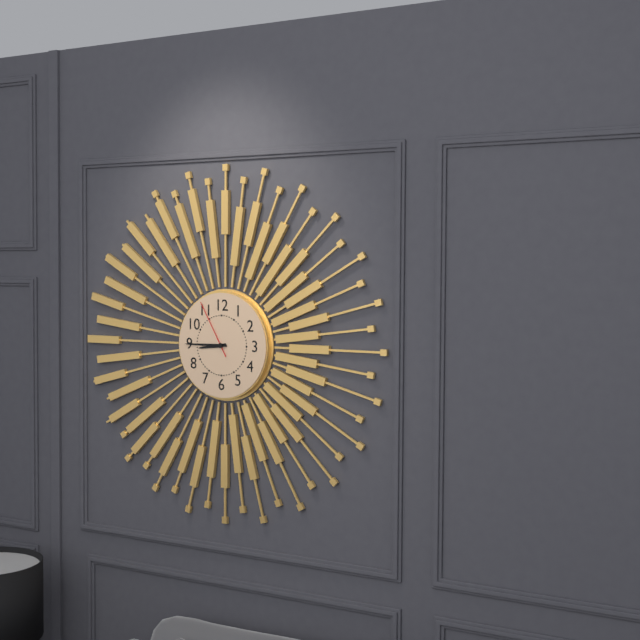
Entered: 8.45.55
